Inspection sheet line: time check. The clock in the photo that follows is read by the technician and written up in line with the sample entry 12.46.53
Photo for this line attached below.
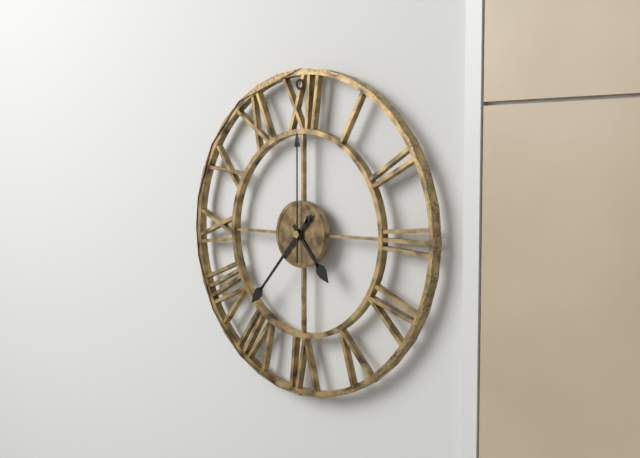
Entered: 4.37.00
